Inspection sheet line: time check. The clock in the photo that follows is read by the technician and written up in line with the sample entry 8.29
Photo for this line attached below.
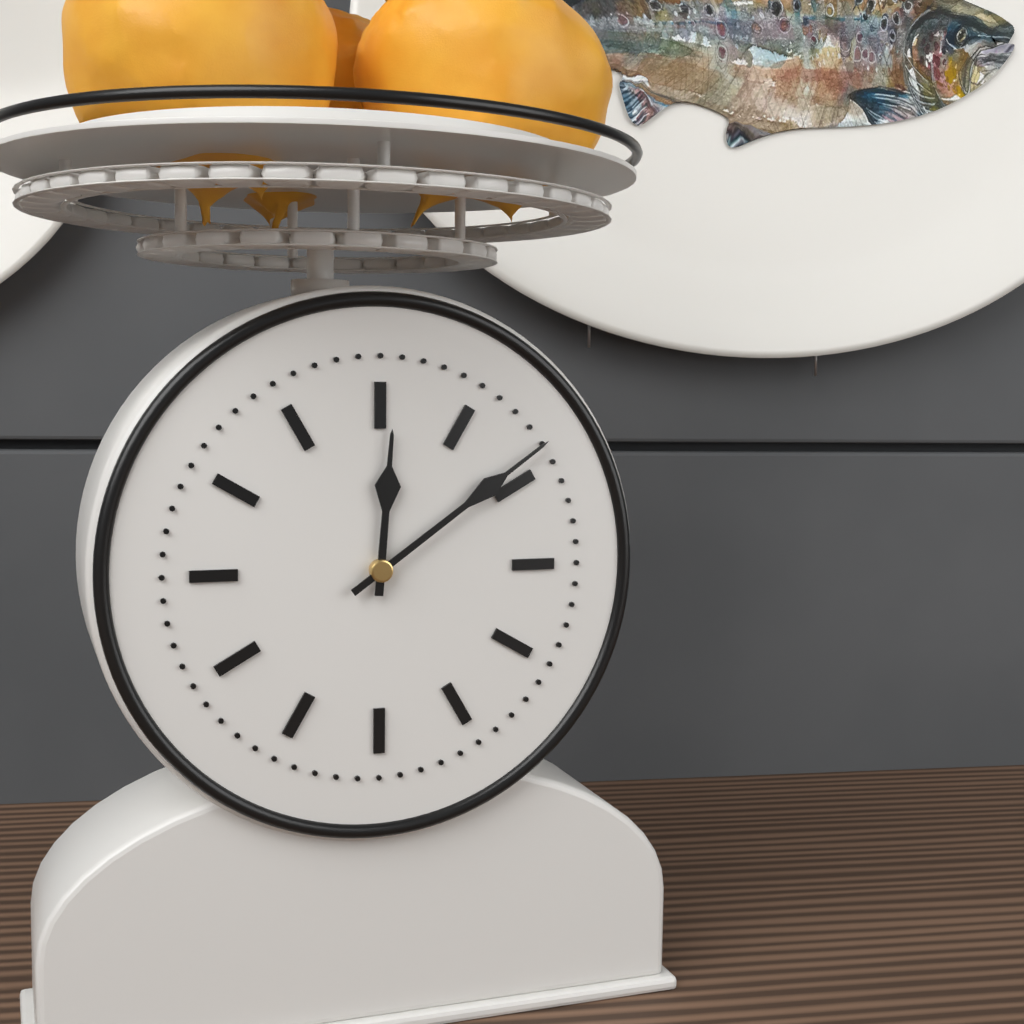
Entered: 12.09
